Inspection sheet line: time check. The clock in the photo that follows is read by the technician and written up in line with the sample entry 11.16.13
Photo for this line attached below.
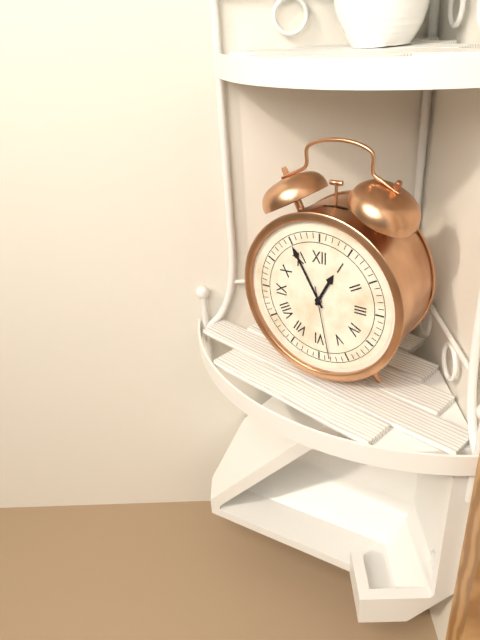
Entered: 12.55.28
